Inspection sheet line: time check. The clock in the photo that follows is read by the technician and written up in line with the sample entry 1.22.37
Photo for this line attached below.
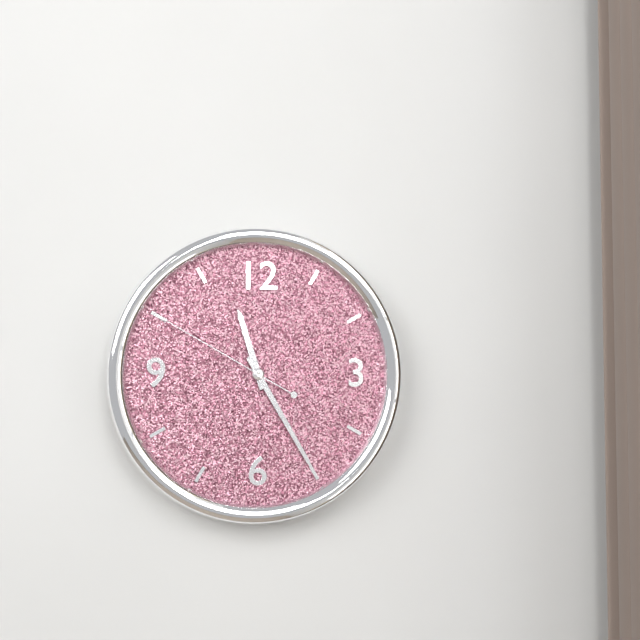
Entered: 11.25.50
